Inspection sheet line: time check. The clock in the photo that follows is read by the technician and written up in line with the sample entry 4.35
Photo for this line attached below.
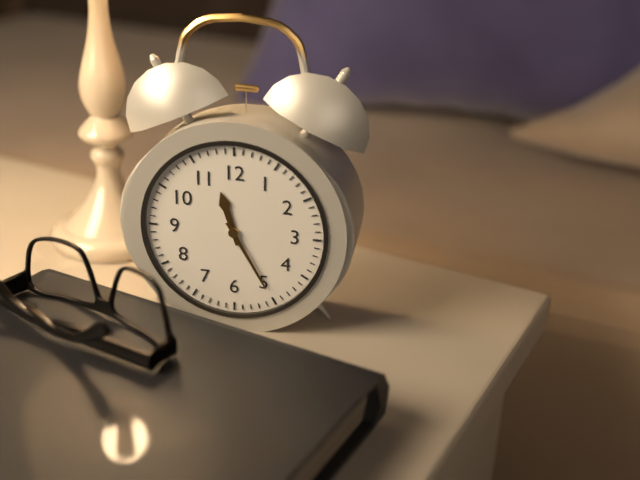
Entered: 11.25
